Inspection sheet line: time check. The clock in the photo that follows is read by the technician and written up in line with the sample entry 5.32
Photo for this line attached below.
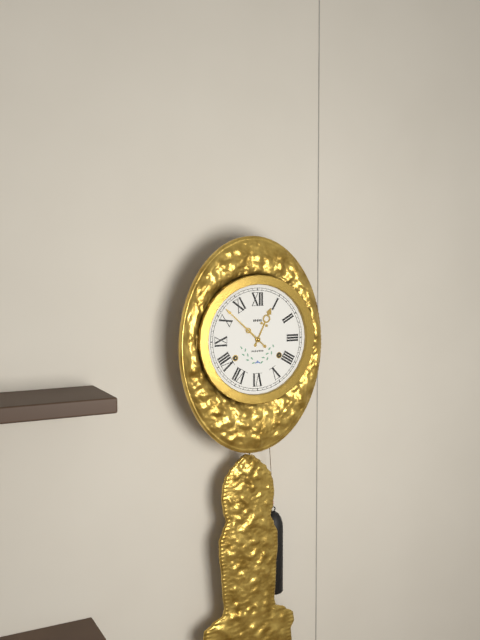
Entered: 12.52
